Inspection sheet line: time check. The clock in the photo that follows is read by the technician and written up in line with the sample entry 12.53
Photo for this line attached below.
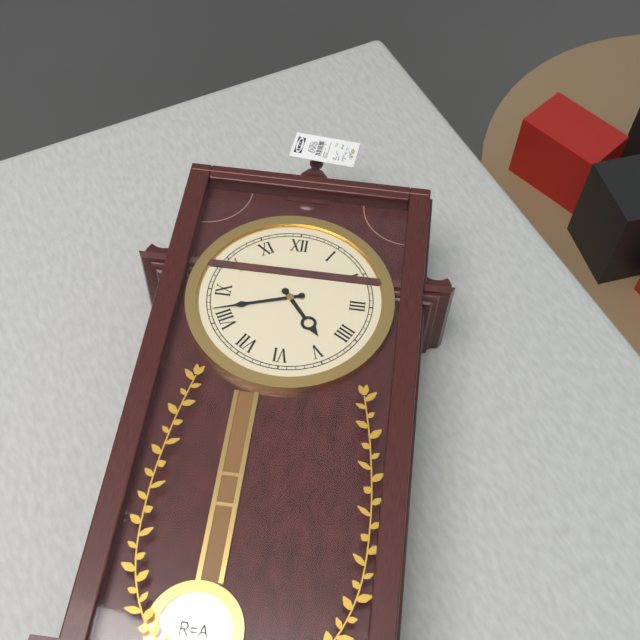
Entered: 4.42
